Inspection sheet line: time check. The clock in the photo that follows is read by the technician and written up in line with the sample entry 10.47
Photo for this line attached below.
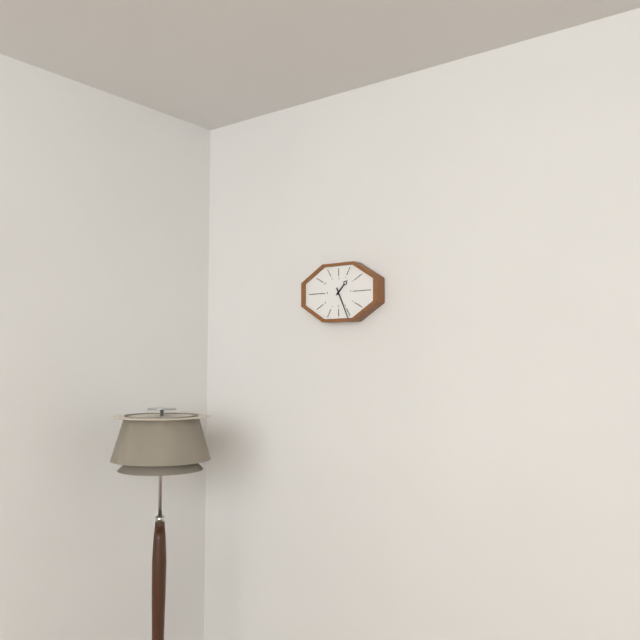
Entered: 1.26
